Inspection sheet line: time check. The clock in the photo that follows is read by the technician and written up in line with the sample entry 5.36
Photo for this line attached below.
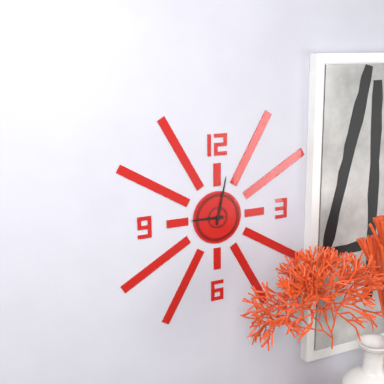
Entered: 9.02
